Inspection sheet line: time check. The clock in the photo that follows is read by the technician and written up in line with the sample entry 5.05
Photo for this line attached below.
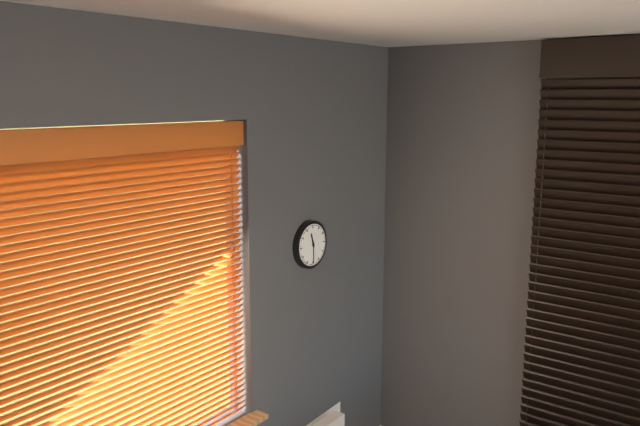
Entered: 11.30
